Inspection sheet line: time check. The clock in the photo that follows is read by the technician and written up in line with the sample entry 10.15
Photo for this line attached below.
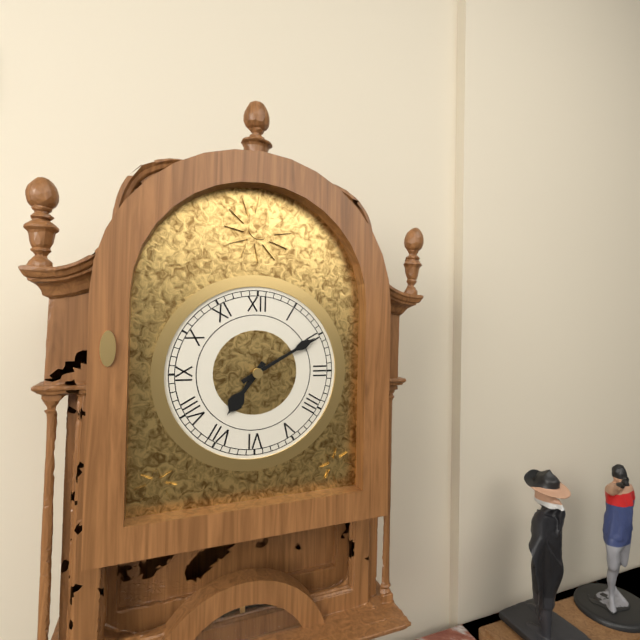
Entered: 7.10
